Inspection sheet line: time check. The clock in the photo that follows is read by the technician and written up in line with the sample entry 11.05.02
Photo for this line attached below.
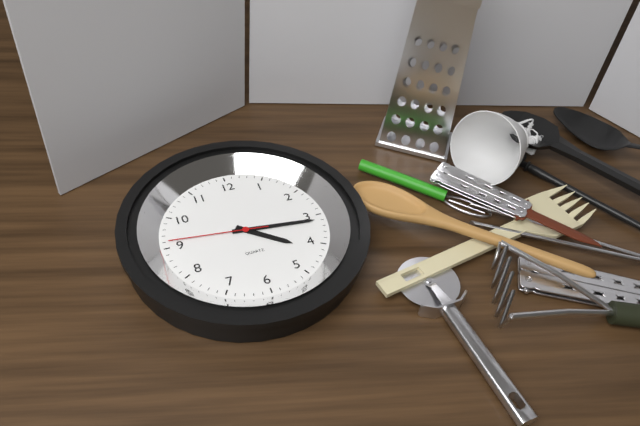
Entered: 4.16.46
